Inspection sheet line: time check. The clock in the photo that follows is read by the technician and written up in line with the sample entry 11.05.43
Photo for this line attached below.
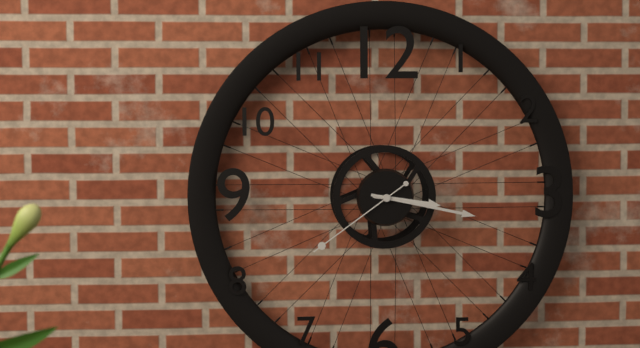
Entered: 3.17.39
